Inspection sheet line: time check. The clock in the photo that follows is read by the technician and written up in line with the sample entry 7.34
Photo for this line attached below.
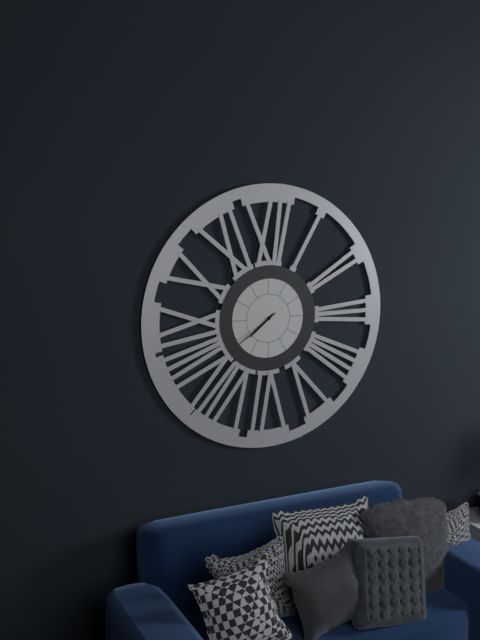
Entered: 7.39
